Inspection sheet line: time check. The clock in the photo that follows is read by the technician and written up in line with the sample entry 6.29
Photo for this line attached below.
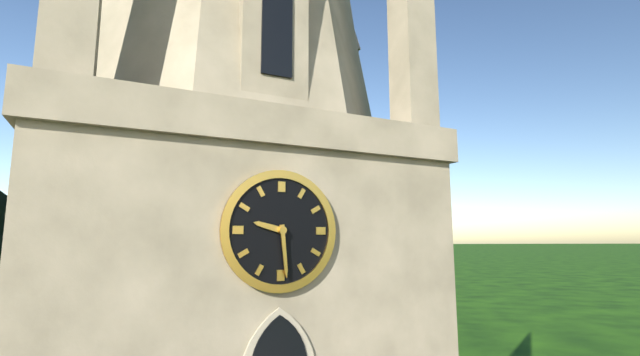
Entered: 9.29
